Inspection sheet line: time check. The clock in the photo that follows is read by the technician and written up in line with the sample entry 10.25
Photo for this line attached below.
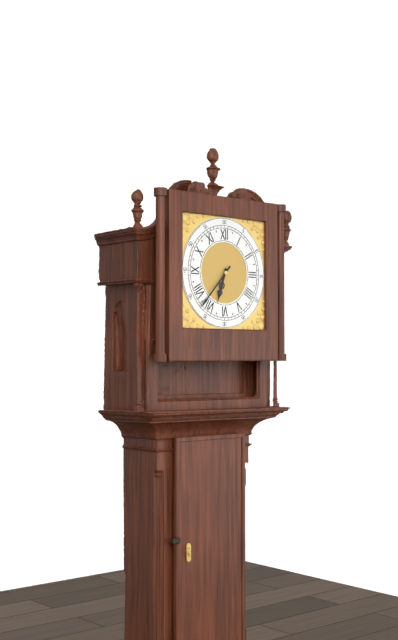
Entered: 6.37
